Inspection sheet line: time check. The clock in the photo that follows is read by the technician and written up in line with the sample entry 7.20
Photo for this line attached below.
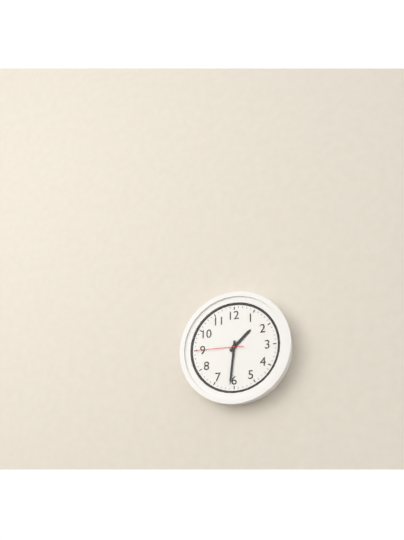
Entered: 1.31
